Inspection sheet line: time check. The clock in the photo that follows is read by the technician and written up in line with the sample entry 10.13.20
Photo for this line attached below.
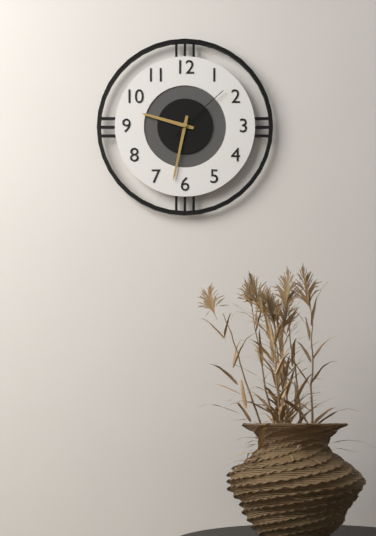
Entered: 9.32.08
